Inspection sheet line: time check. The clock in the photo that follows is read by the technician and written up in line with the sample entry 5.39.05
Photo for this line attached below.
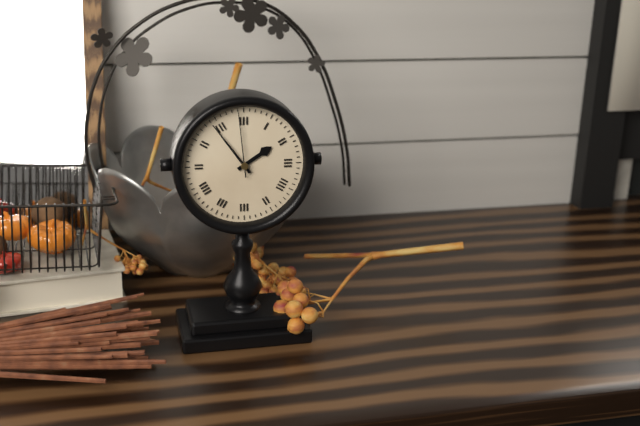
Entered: 1.54.59
